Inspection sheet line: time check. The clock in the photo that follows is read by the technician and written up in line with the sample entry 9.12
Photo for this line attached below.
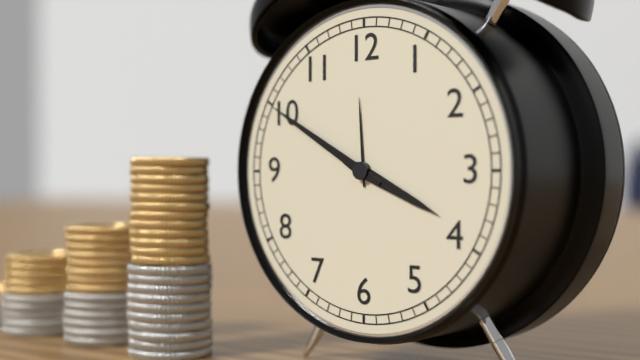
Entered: 3.50
